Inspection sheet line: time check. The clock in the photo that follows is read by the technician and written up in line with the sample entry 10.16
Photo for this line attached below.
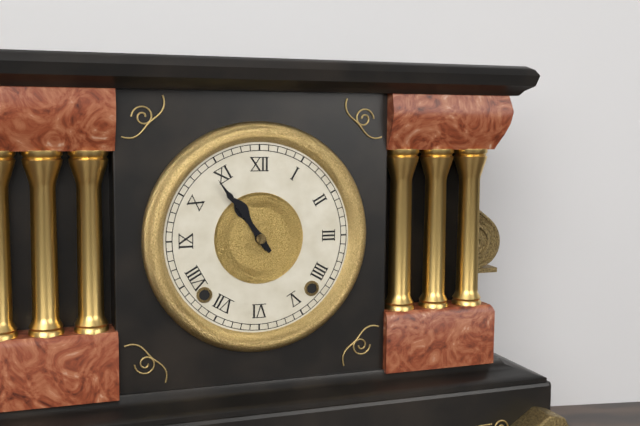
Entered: 10.54
